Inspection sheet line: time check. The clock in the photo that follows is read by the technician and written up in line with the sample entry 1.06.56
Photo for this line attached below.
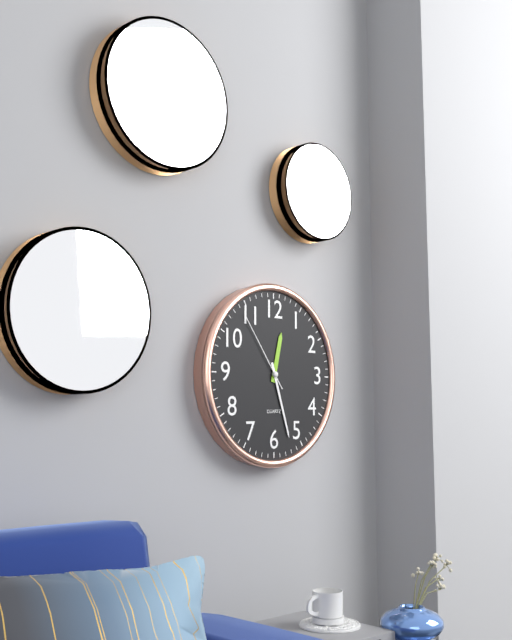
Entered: 12.27.54
